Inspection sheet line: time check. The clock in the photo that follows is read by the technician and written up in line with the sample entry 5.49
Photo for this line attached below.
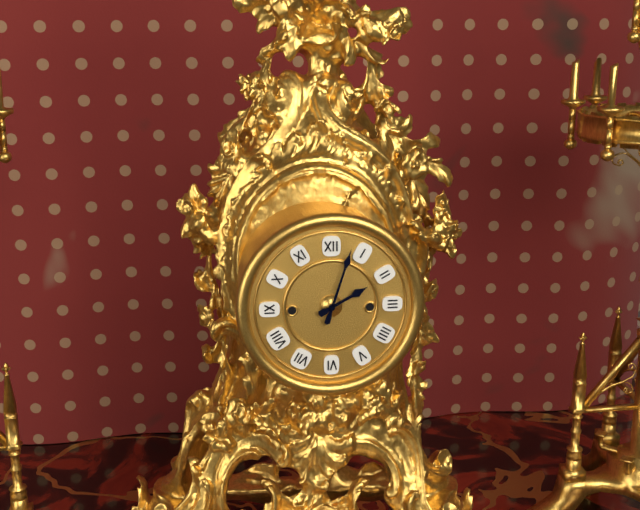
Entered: 2.03
